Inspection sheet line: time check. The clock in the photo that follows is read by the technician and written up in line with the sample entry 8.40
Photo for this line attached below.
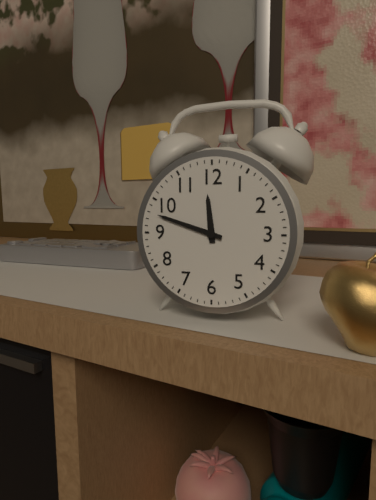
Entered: 11.48
